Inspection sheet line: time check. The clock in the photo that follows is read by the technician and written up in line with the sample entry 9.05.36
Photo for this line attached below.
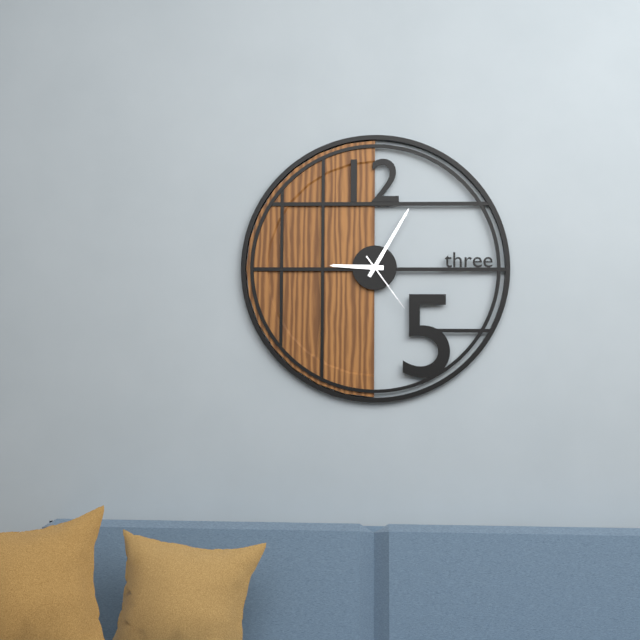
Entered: 9.05.24
